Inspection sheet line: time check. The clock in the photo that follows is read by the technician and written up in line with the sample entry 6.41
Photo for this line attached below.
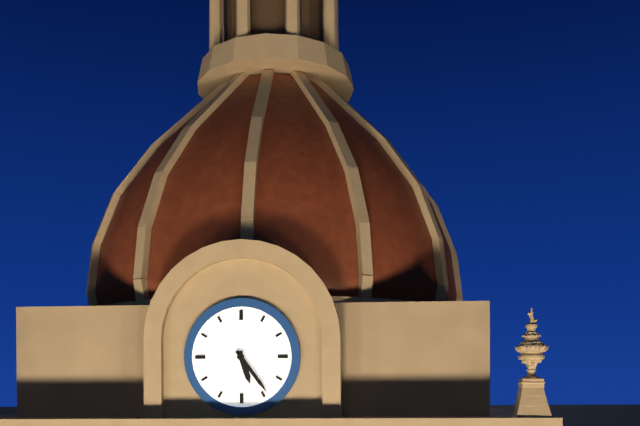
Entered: 5.24
